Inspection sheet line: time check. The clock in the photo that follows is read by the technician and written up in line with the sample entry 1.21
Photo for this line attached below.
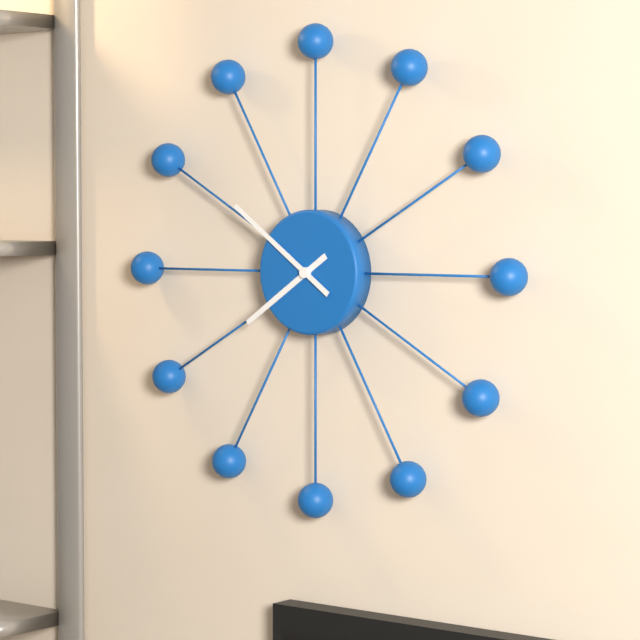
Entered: 7.51
